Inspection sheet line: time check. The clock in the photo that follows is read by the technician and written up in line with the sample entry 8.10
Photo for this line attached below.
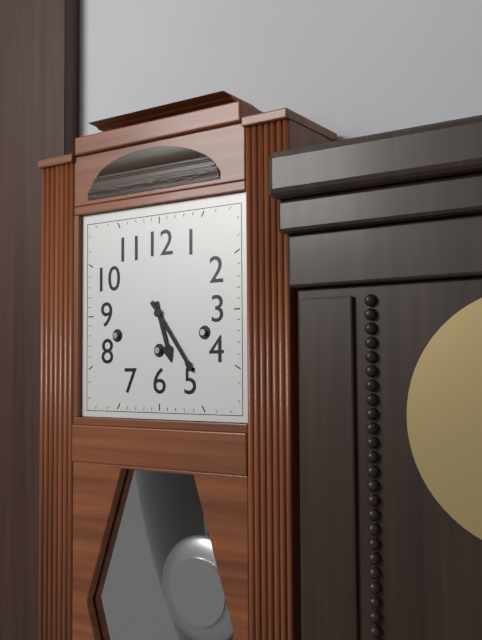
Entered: 5.24
